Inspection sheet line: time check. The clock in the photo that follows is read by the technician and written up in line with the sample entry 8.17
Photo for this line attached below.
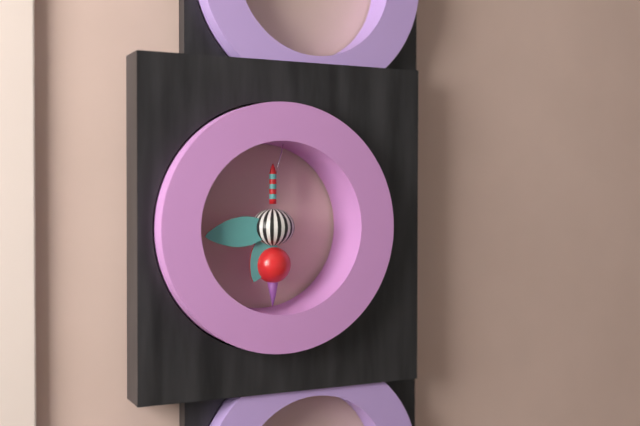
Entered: 6.44
